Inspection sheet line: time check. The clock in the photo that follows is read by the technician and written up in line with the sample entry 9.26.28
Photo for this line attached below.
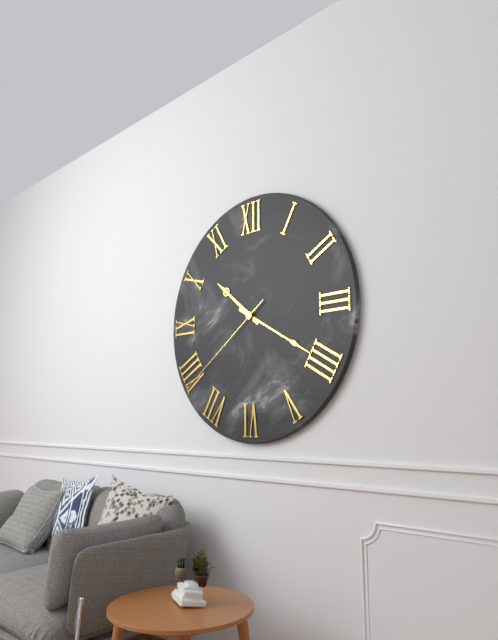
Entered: 10.20.39
